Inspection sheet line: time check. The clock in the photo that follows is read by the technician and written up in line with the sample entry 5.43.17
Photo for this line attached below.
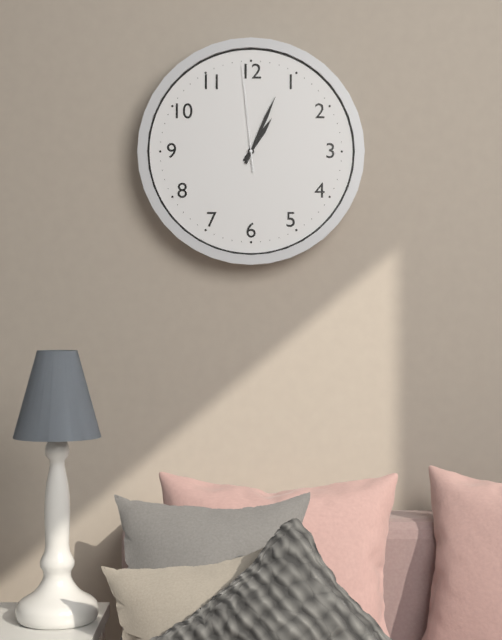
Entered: 1.04.59
